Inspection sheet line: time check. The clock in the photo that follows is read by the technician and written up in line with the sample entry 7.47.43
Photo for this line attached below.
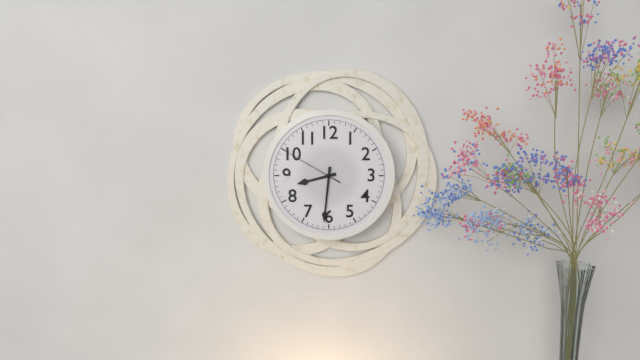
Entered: 8.31.50
